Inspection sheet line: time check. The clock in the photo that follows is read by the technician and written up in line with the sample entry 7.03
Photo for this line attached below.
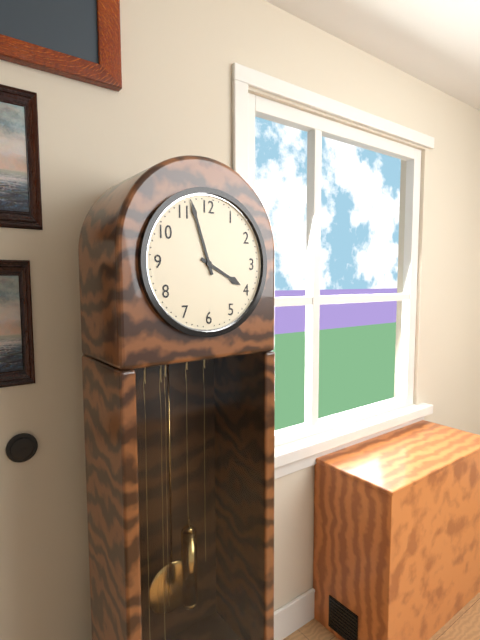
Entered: 3.57
